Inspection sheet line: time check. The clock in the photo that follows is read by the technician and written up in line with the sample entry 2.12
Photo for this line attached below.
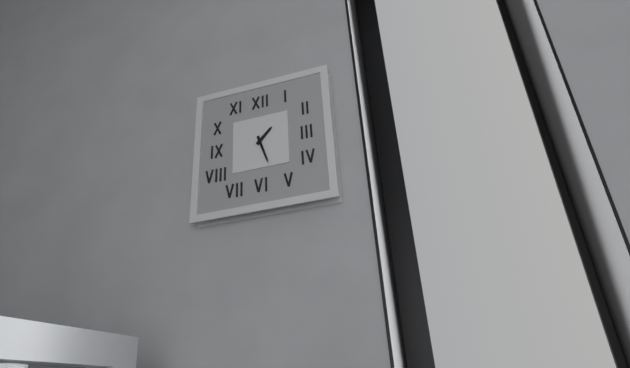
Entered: 1.27
